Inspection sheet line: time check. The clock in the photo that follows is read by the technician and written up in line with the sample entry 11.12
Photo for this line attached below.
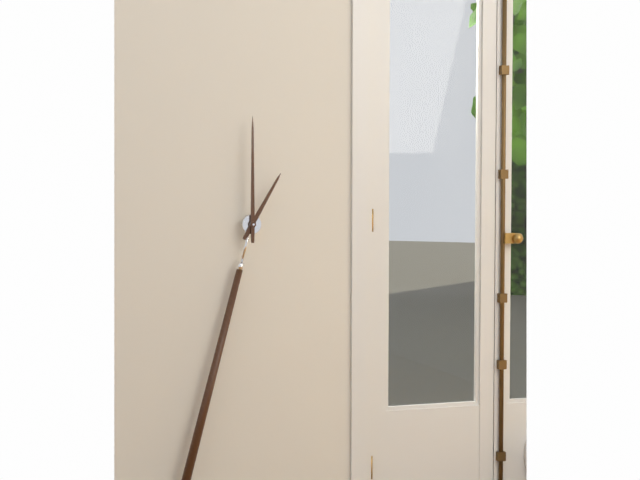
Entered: 1.00
